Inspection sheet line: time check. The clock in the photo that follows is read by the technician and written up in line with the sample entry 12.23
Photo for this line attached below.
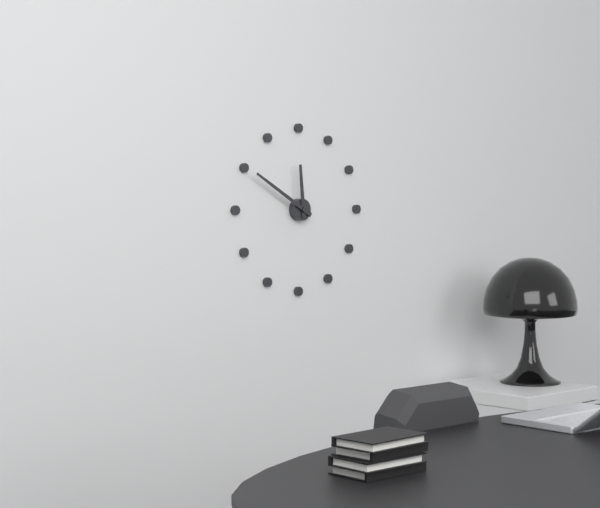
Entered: 11.50
